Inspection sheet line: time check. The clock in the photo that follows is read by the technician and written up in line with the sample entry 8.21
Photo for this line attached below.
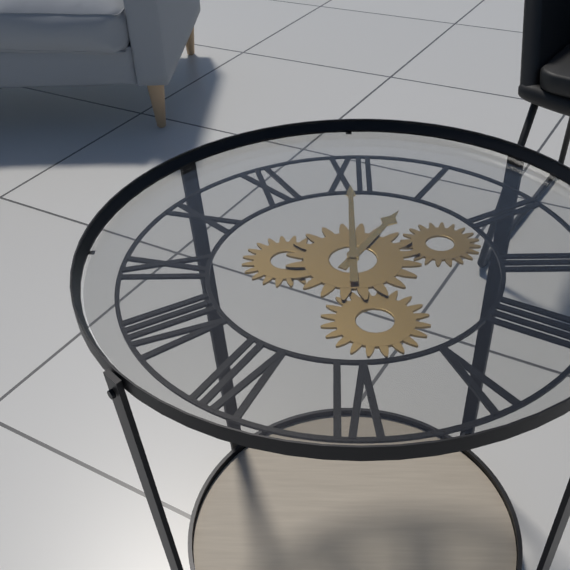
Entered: 1.00
